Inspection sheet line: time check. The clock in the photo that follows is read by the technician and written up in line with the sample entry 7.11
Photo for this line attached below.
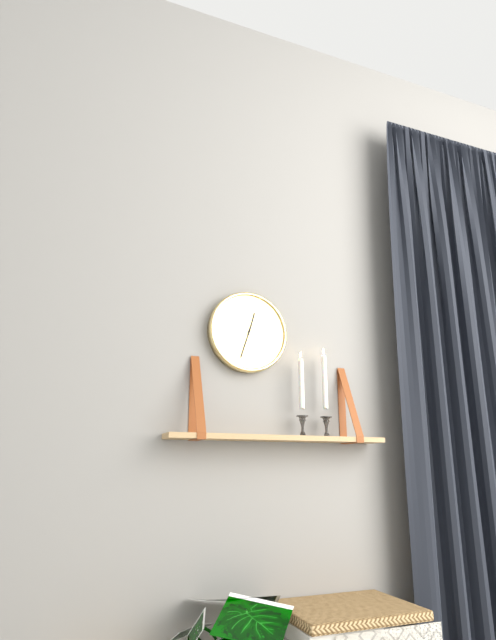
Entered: 12.33
